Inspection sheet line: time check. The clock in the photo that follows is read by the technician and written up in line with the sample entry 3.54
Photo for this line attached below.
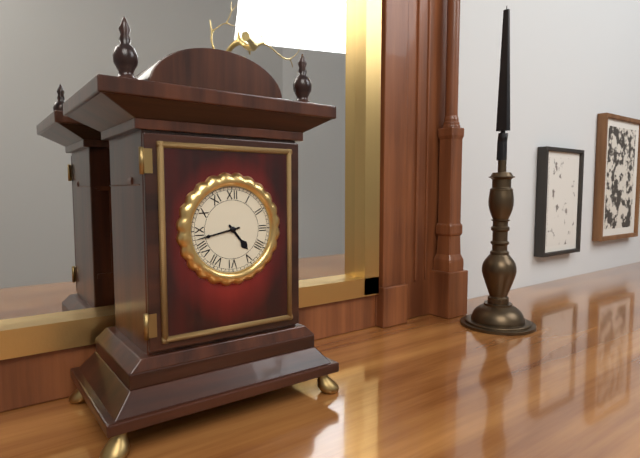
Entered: 4.43
